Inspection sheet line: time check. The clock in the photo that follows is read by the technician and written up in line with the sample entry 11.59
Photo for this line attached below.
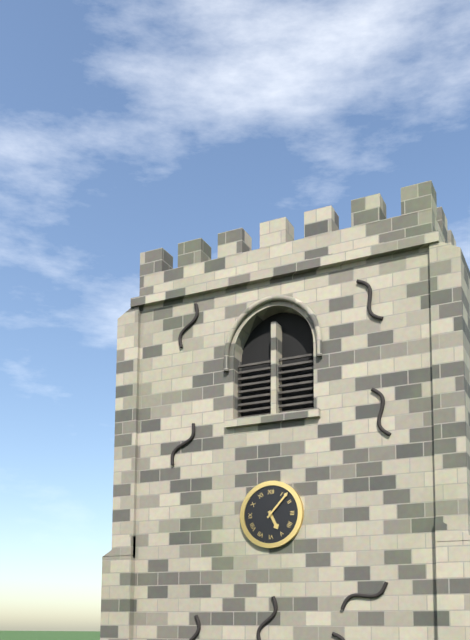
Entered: 5.07
